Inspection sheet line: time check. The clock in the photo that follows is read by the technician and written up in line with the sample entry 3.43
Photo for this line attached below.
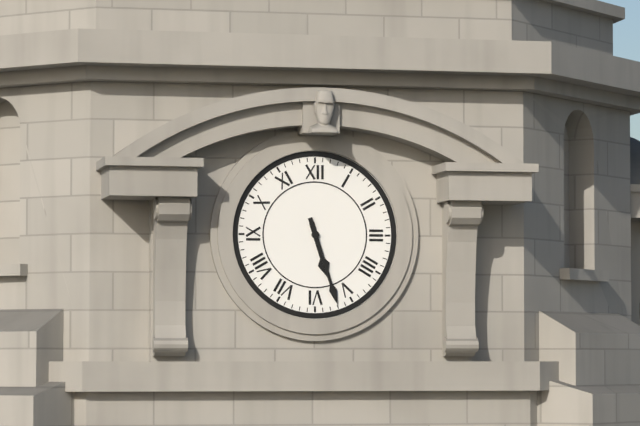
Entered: 5.27
